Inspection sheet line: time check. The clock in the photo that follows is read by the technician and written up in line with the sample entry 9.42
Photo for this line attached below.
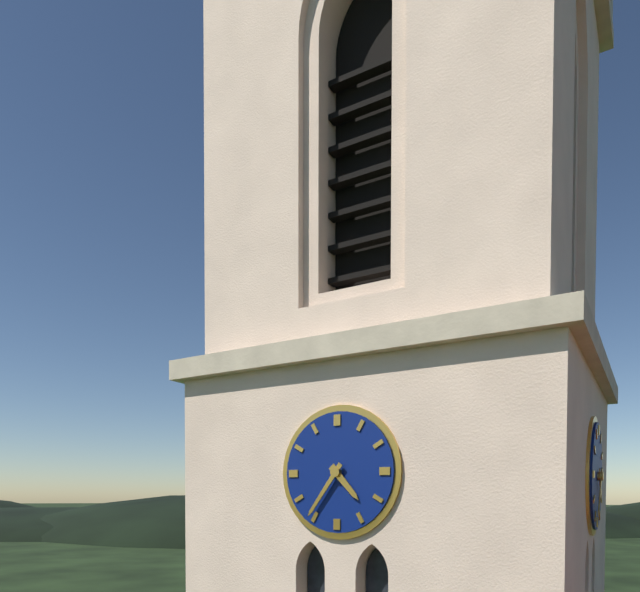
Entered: 4.36
